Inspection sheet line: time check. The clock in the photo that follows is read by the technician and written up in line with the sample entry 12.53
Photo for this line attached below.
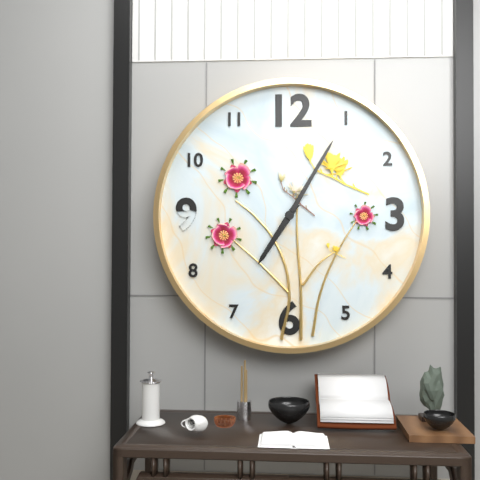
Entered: 7.05
